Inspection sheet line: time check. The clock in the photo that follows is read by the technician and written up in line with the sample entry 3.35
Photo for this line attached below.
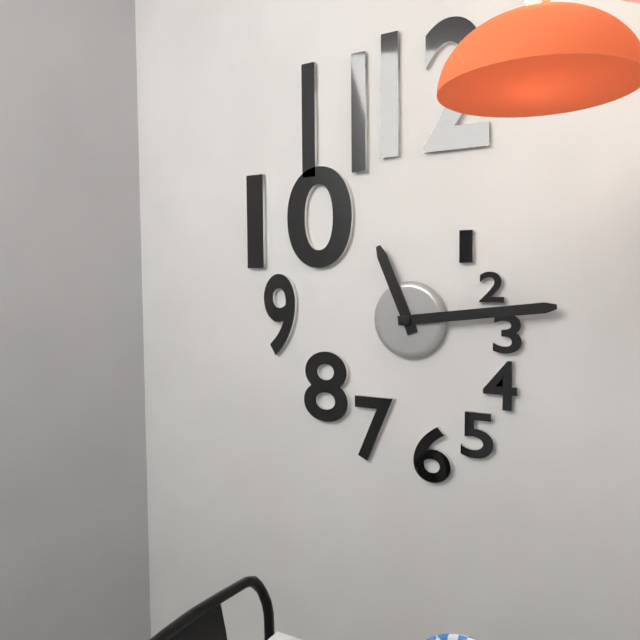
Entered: 11.14
